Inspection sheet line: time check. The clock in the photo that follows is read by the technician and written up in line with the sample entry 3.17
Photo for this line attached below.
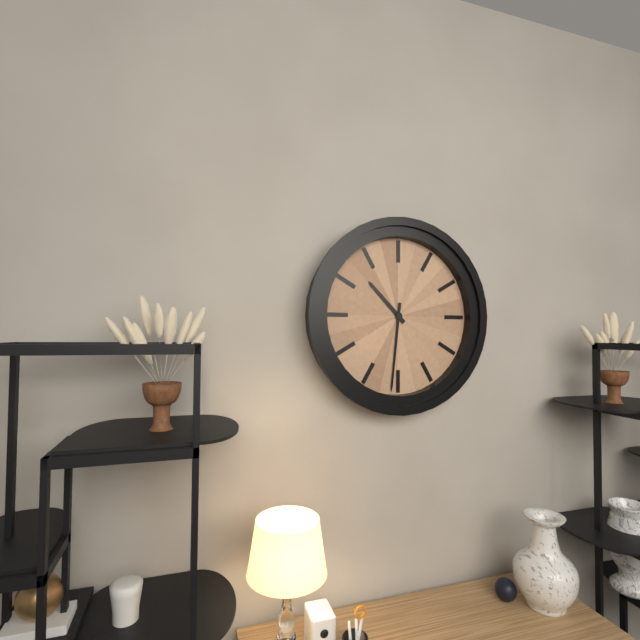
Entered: 10.31
